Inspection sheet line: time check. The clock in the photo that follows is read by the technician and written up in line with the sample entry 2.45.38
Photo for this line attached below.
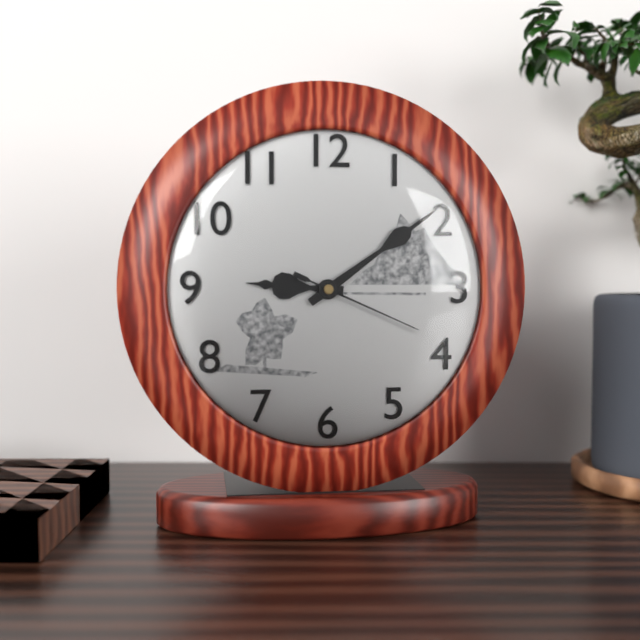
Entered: 9.09.19
